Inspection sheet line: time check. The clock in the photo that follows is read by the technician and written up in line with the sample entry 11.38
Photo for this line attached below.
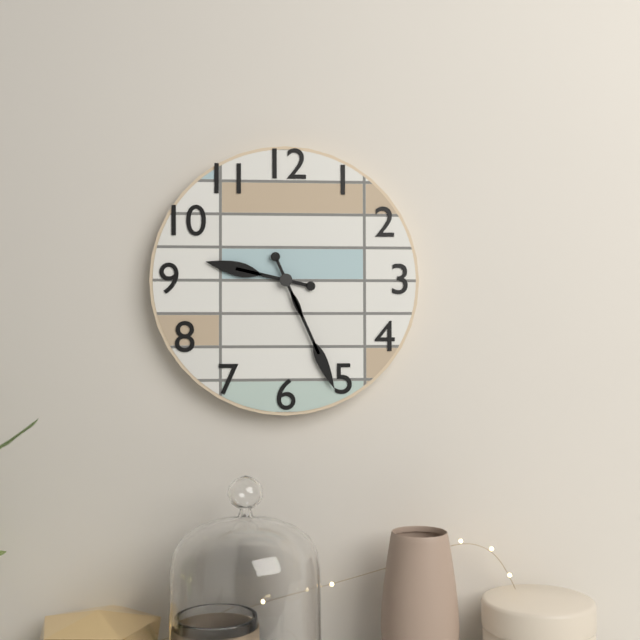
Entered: 9.26
